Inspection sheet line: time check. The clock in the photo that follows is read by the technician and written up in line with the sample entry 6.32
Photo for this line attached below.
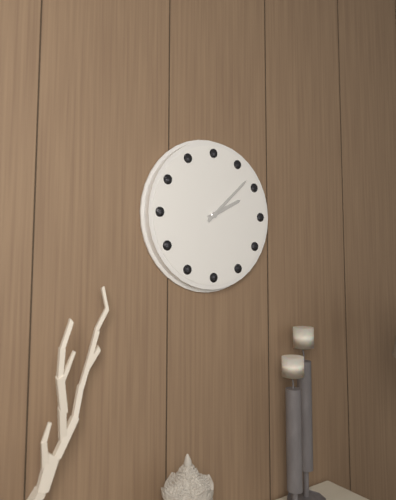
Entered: 2.08
